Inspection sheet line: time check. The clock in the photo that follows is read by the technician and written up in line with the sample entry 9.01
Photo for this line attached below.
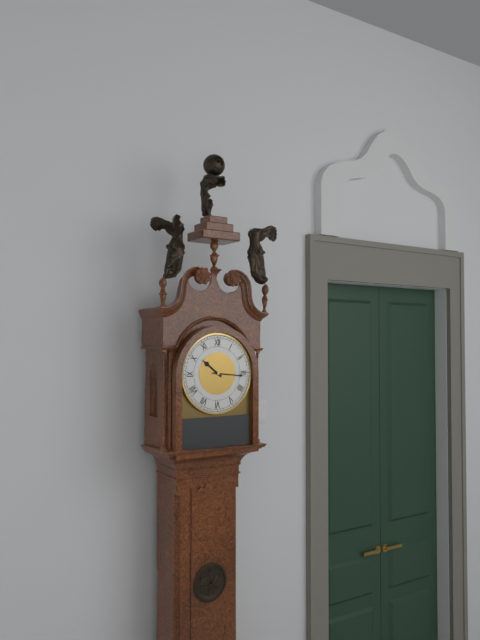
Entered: 10.16
